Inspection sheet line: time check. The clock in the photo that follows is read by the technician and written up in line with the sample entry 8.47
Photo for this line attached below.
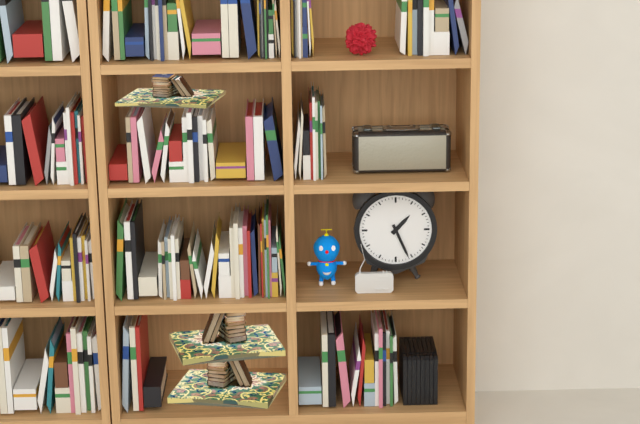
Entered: 1.26
